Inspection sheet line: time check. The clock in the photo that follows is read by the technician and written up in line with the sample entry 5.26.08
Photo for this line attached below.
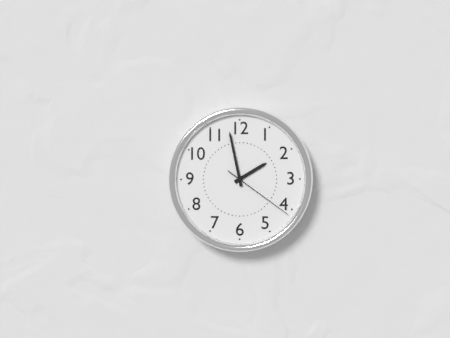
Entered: 1.58.21
